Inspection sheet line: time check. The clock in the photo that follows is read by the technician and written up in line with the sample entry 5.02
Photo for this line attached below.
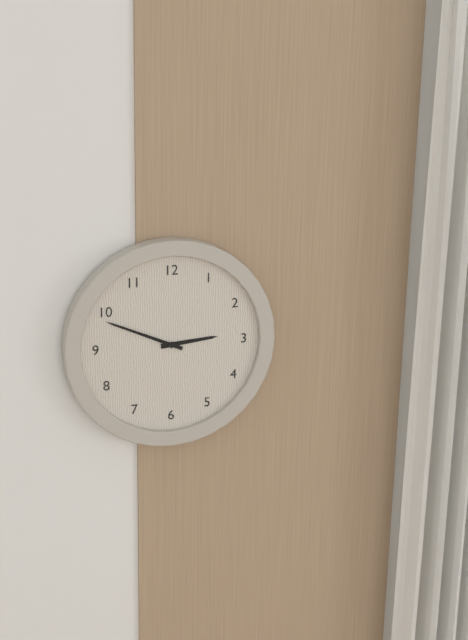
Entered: 2.49
